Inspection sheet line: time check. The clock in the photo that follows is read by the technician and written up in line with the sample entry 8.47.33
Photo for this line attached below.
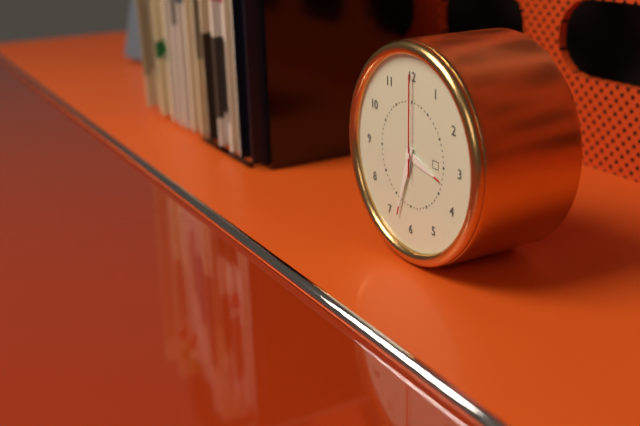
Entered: 3.33.00
